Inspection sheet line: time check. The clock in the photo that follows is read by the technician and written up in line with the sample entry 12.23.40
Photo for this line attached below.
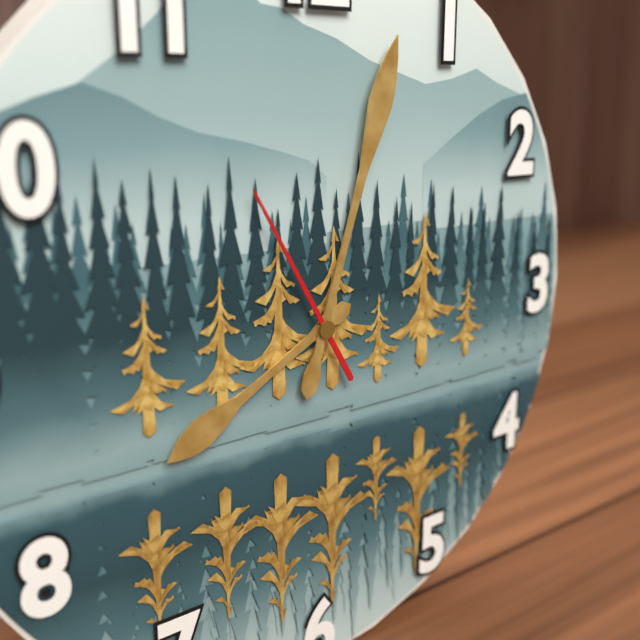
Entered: 8.03.55
